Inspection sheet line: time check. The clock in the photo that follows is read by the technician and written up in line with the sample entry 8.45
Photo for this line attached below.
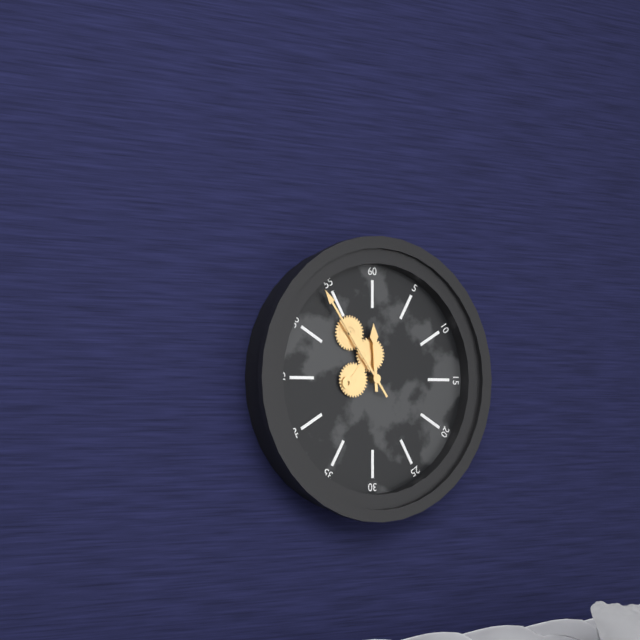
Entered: 11.54
